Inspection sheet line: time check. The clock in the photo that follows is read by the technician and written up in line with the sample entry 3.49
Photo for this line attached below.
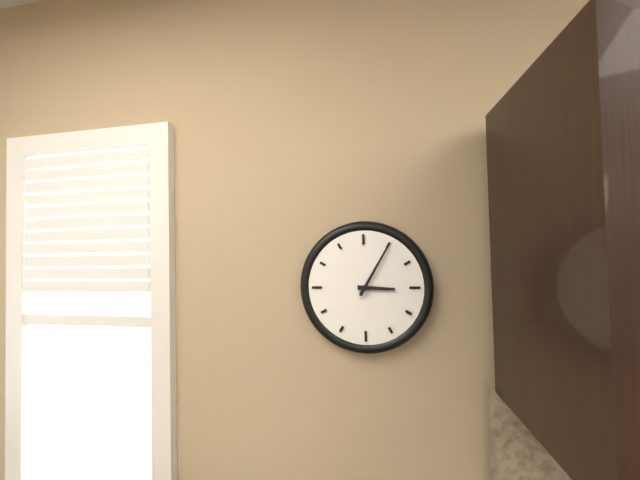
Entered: 3.05
